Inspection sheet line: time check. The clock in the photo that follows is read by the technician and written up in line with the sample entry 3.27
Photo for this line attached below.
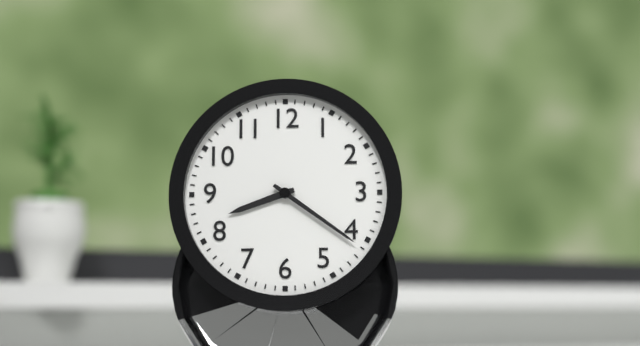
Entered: 8.21
